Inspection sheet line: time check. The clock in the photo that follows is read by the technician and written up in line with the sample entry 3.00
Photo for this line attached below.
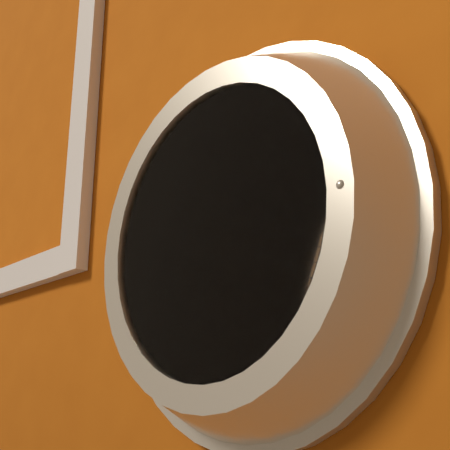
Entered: 2.09
